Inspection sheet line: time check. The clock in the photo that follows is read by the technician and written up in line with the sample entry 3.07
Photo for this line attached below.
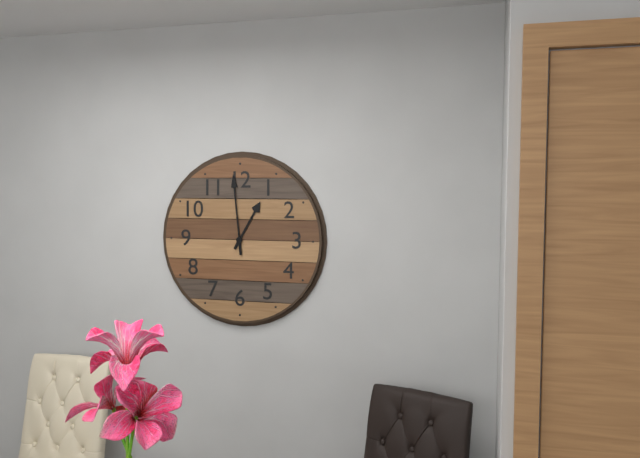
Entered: 12.59
